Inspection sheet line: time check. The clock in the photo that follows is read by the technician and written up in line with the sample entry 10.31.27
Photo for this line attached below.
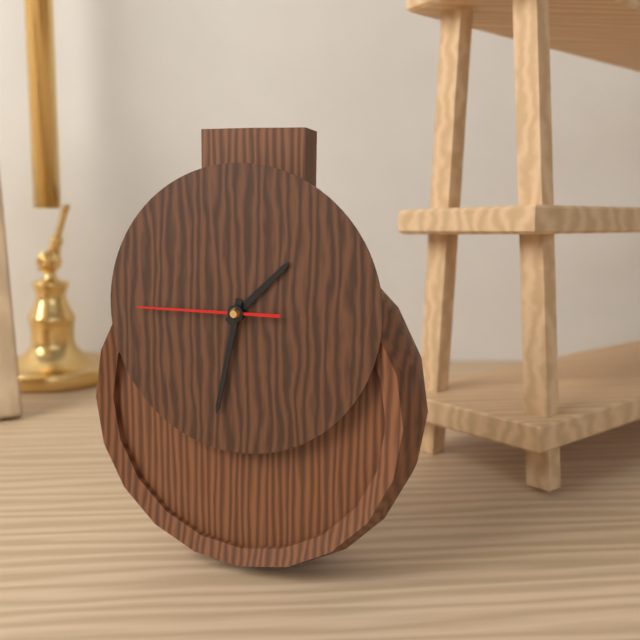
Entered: 1.32.45
